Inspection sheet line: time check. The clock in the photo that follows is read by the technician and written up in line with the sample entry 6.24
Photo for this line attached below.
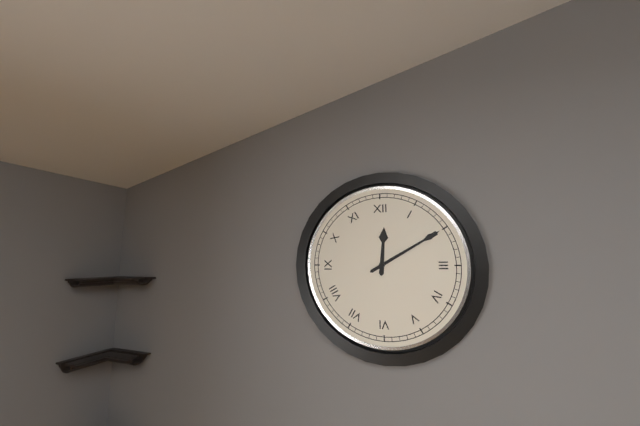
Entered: 12.10
